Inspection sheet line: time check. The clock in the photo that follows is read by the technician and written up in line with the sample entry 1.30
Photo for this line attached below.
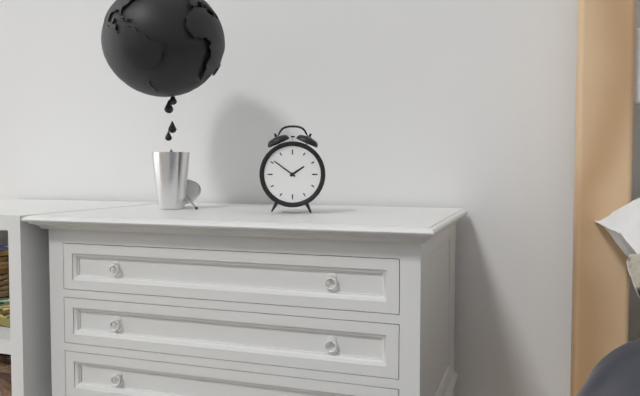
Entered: 1.51
